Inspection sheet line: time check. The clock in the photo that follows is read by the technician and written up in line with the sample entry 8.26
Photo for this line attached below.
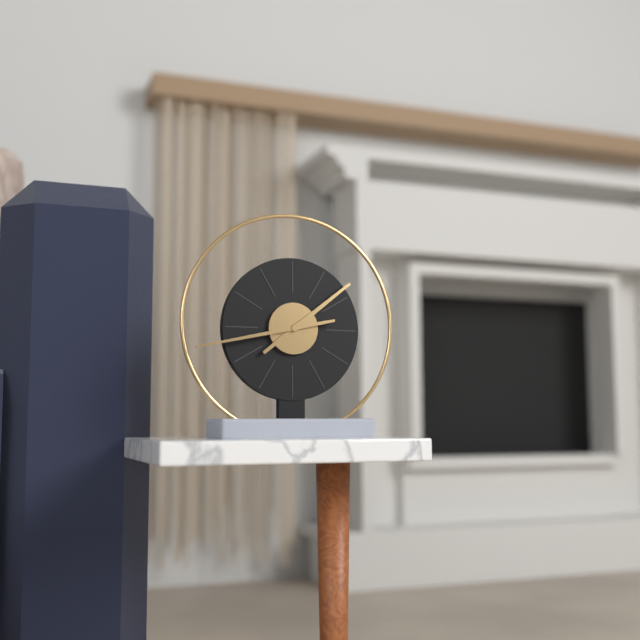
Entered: 1.43
